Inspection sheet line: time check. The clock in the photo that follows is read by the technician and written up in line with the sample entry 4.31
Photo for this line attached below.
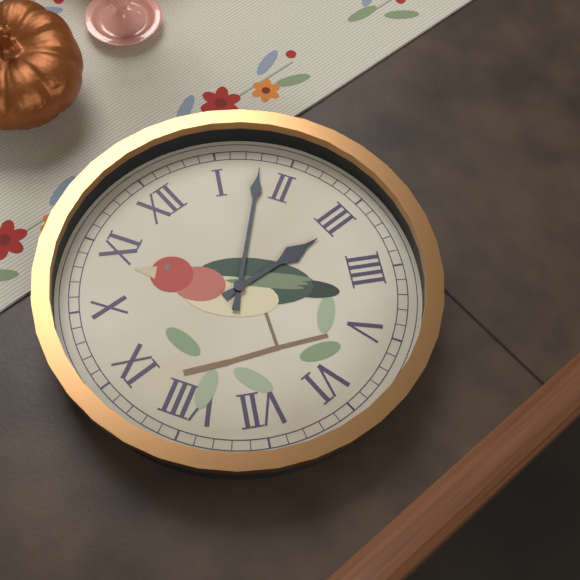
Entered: 3.08
